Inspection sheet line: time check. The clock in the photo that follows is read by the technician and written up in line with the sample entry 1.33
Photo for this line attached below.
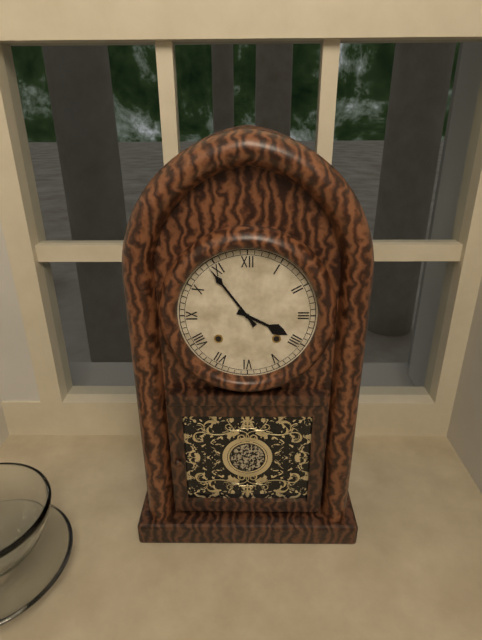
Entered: 3.54
